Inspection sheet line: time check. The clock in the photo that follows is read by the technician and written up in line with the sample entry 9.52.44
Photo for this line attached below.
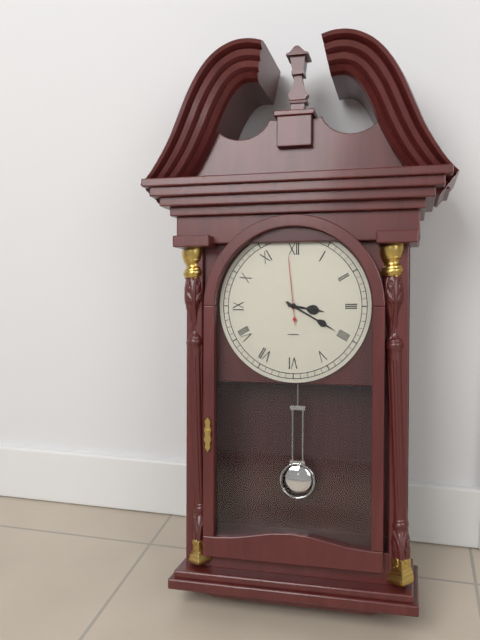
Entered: 3.20.59
